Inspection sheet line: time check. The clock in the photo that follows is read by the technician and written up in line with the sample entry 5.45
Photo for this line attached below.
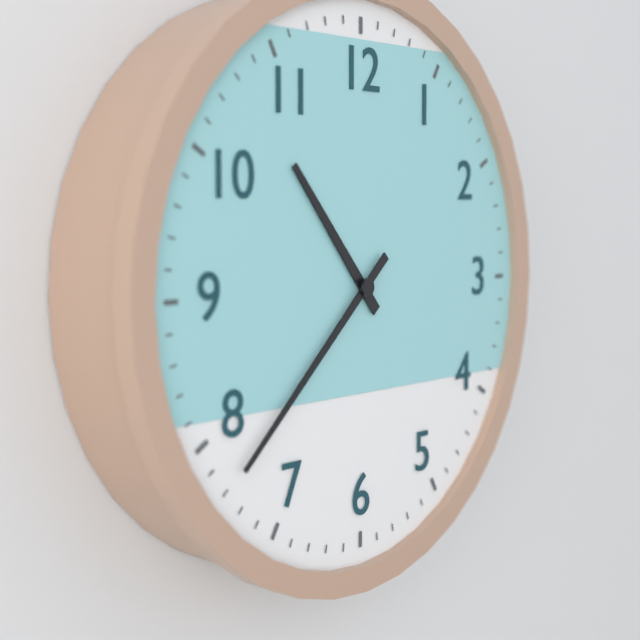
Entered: 10.38
